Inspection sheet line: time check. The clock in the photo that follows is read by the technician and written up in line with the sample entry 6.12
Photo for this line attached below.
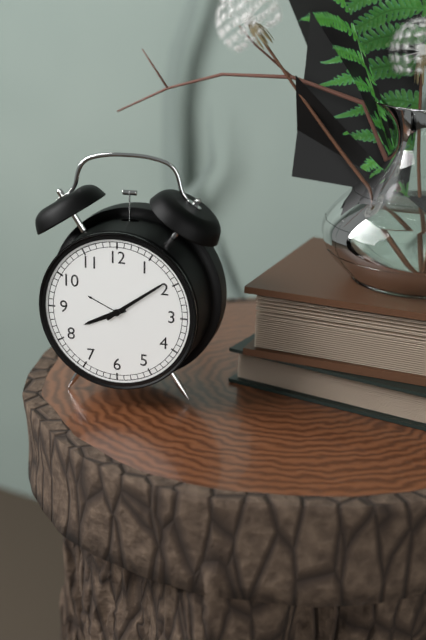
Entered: 8.09
